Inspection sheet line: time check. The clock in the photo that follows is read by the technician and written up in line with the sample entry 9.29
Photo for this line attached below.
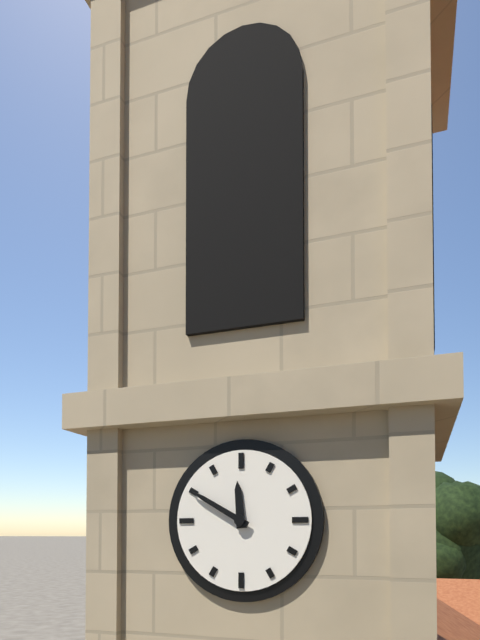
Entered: 11.50
